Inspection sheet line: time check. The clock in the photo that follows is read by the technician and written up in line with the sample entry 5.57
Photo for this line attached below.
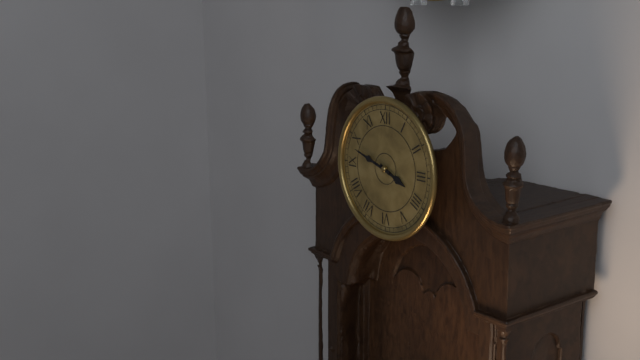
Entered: 3.48
